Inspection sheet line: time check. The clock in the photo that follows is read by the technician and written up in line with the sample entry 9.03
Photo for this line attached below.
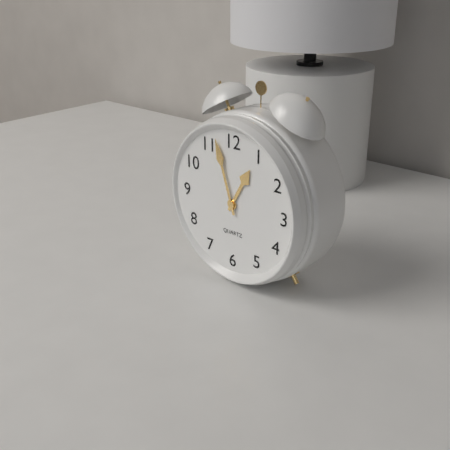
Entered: 12.57
